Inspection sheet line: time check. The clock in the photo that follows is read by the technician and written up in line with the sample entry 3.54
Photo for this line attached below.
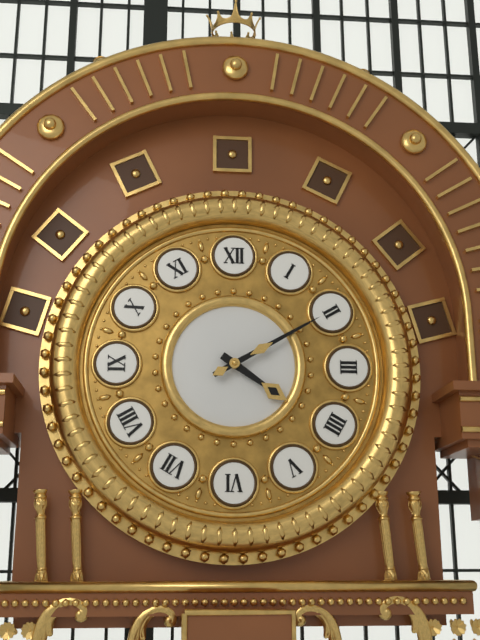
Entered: 4.10
